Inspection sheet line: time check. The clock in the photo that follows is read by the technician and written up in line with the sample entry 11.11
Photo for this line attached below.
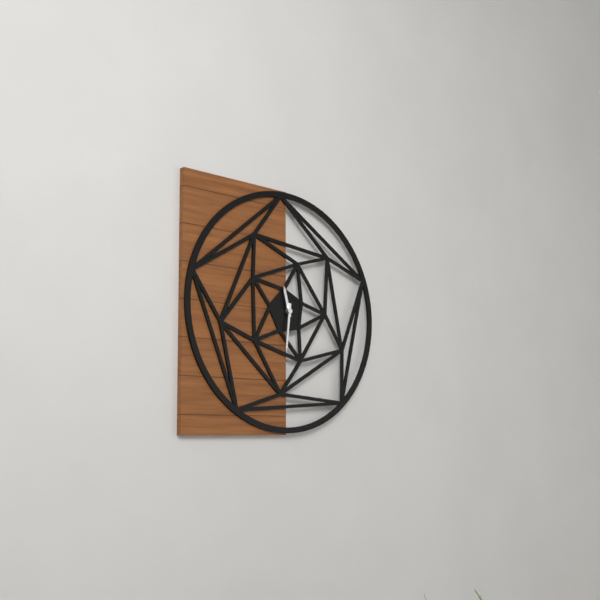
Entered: 11.31
